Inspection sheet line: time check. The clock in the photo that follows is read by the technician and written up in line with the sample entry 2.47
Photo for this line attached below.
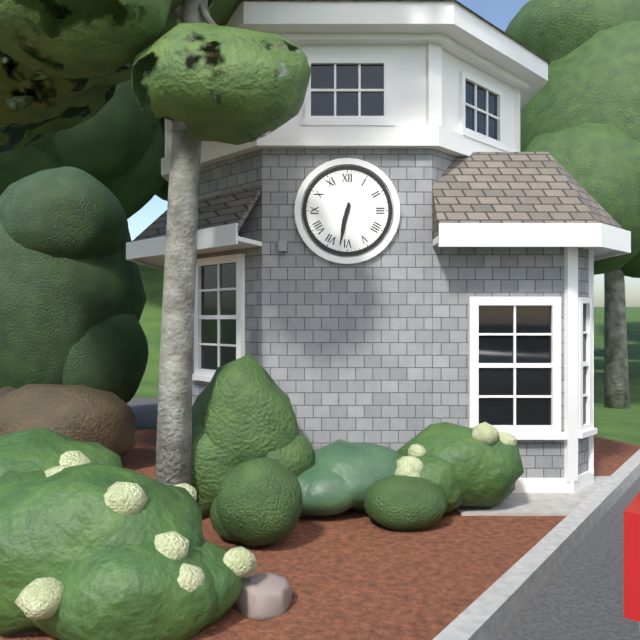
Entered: 6.32
